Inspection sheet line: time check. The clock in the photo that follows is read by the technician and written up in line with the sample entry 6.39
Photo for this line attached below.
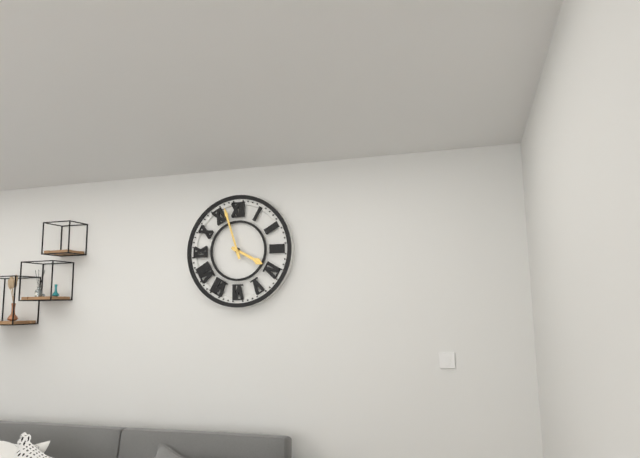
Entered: 3.57
